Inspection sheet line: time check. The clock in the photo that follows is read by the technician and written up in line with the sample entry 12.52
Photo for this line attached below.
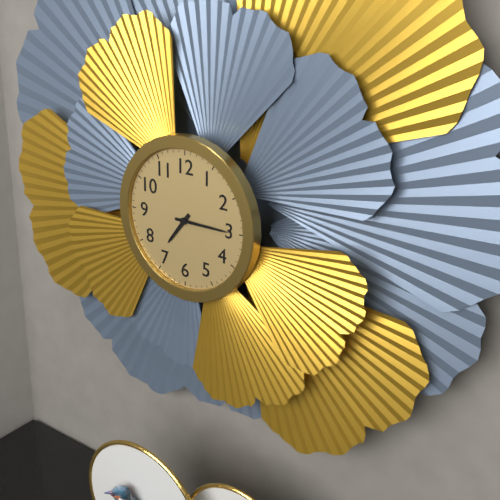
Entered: 7.15
